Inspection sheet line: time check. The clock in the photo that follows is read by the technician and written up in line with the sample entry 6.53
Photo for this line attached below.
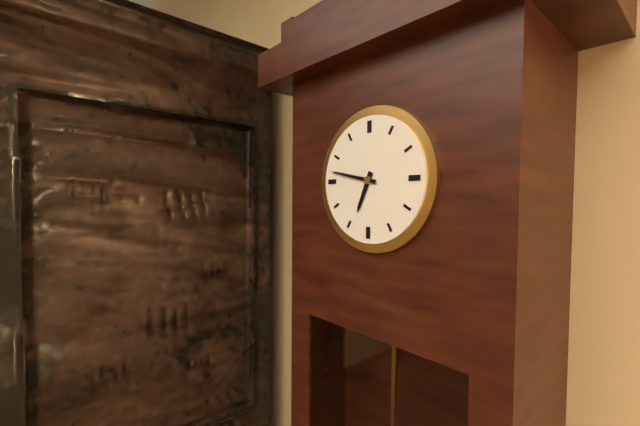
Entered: 6.47
